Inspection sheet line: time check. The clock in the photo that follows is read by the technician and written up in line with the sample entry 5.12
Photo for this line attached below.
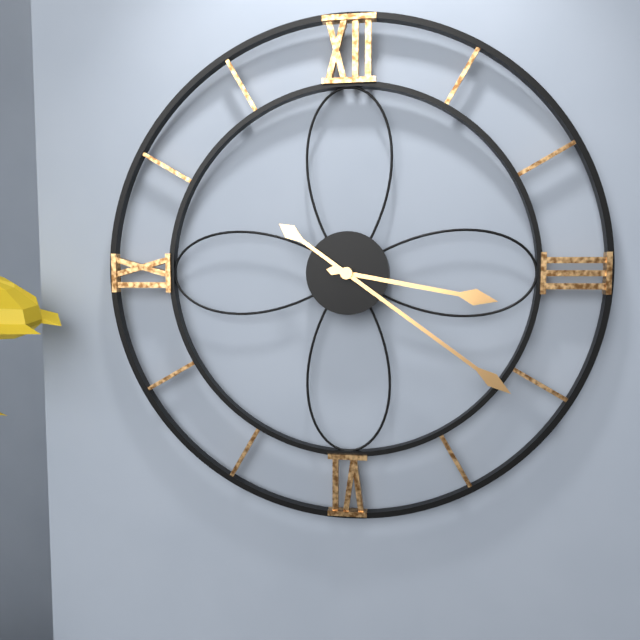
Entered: 3.21
